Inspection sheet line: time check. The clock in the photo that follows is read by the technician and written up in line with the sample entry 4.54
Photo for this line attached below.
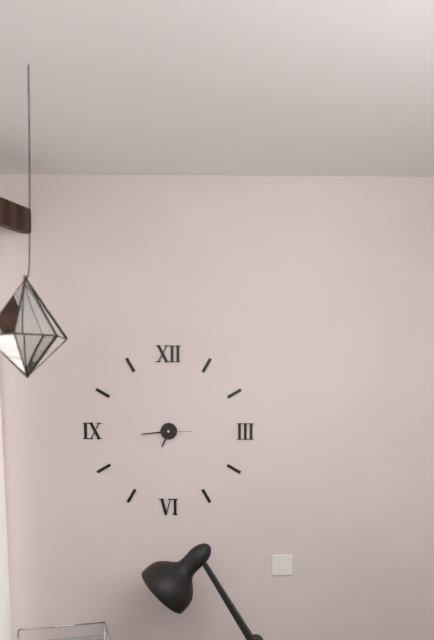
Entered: 6.44
